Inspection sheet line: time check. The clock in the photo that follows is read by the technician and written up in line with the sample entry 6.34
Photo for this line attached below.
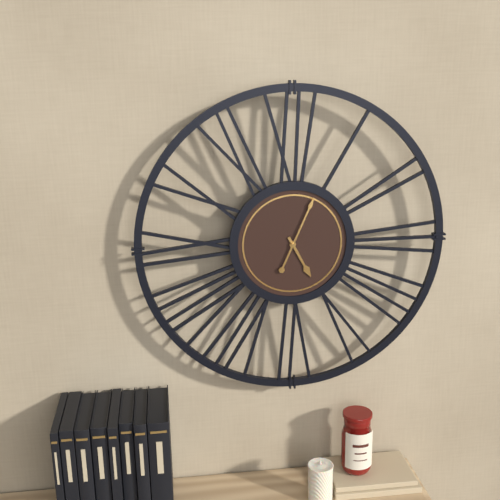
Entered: 5.04
